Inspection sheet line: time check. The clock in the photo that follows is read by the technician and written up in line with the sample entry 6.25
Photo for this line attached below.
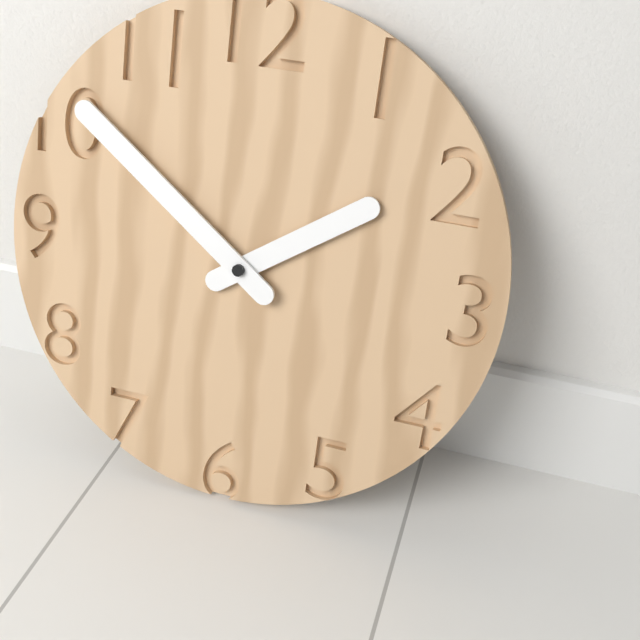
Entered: 1.51
